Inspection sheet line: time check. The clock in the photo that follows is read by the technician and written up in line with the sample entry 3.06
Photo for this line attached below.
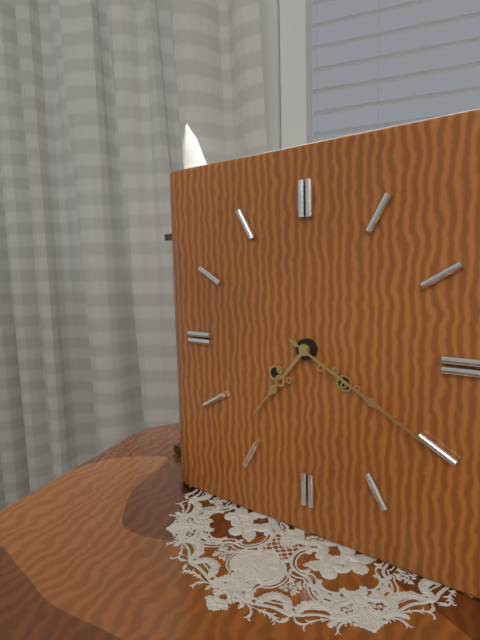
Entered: 7.20
